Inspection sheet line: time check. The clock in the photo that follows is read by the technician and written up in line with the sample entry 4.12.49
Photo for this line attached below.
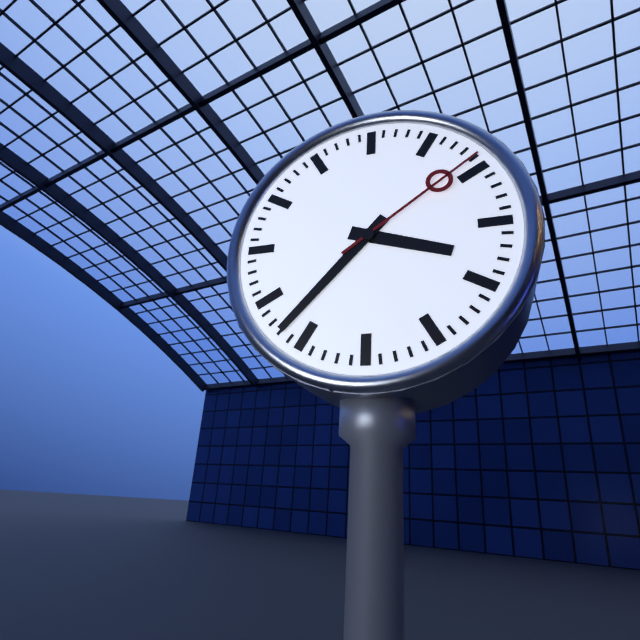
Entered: 3.37.09
